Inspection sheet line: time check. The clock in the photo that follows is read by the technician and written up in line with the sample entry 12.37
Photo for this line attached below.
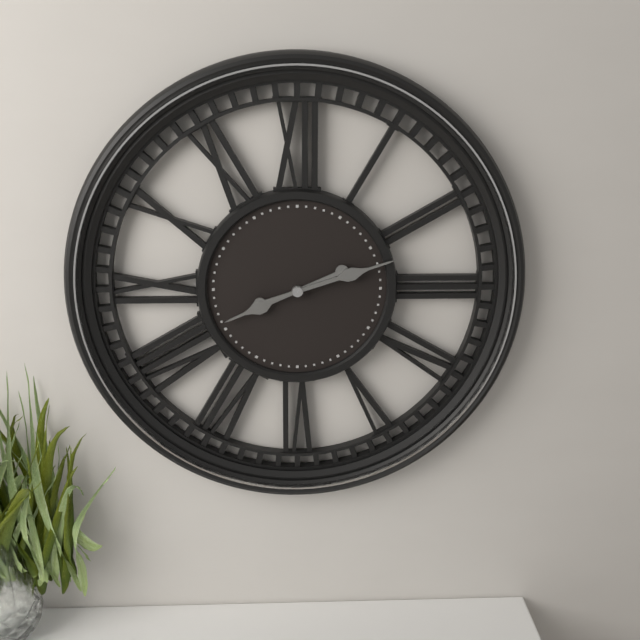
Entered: 8.12
